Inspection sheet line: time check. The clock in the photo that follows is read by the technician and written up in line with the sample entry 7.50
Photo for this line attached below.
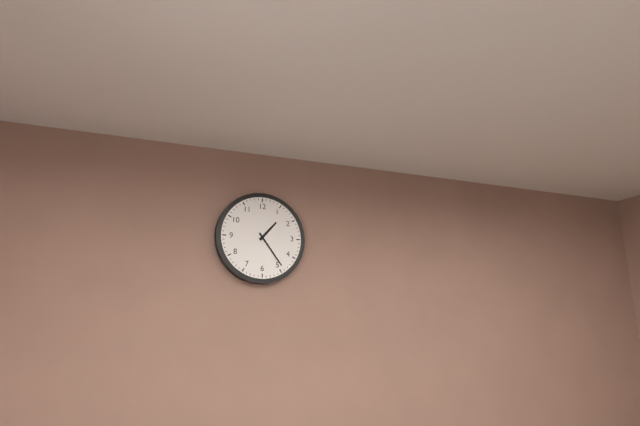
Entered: 1.24
